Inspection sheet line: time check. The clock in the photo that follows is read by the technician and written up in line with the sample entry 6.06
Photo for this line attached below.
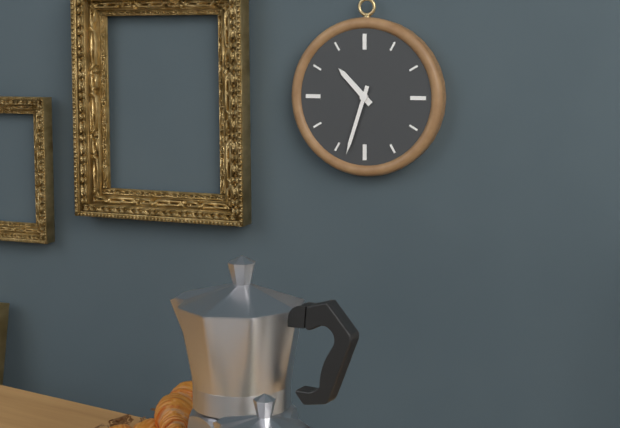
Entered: 10.33
